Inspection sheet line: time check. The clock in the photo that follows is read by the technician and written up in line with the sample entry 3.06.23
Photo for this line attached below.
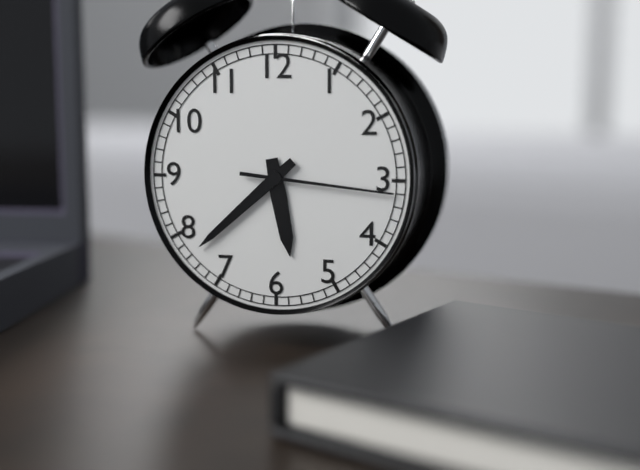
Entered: 5.38.16
